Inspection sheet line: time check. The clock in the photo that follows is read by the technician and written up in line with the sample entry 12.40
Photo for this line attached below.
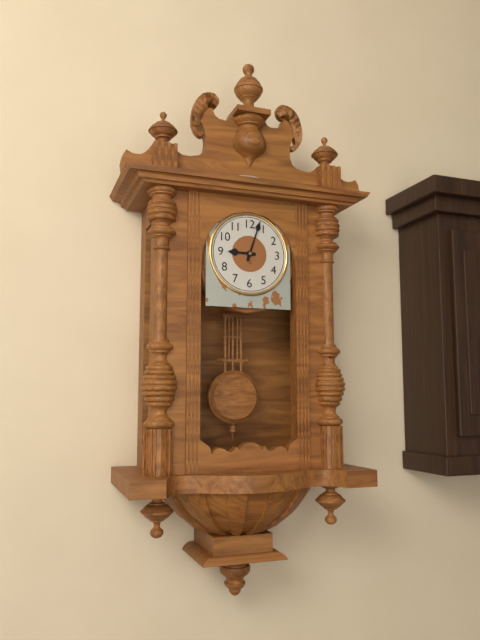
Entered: 9.03
